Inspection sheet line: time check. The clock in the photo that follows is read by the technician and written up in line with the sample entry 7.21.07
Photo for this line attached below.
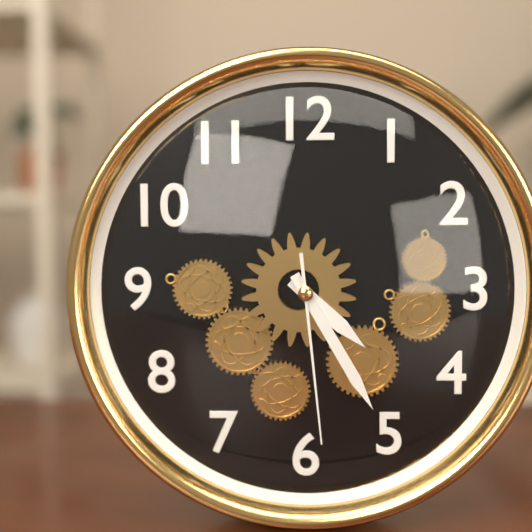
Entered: 4.25.29
